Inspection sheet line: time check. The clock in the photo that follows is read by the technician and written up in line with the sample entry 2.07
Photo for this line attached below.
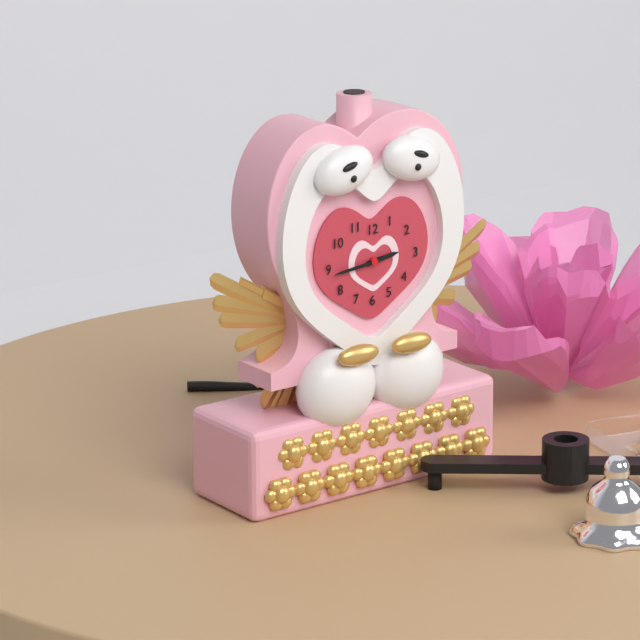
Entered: 2.44
